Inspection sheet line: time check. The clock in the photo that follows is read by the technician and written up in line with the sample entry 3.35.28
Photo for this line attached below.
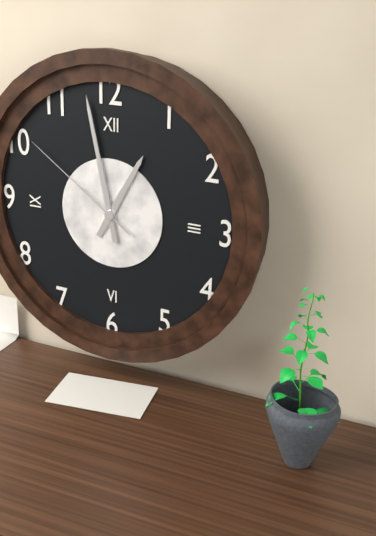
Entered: 12.58.51
